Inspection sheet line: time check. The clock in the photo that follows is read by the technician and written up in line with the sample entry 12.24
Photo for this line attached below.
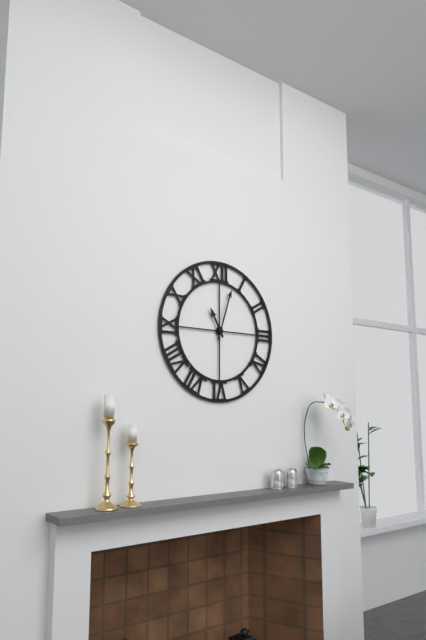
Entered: 11.03
